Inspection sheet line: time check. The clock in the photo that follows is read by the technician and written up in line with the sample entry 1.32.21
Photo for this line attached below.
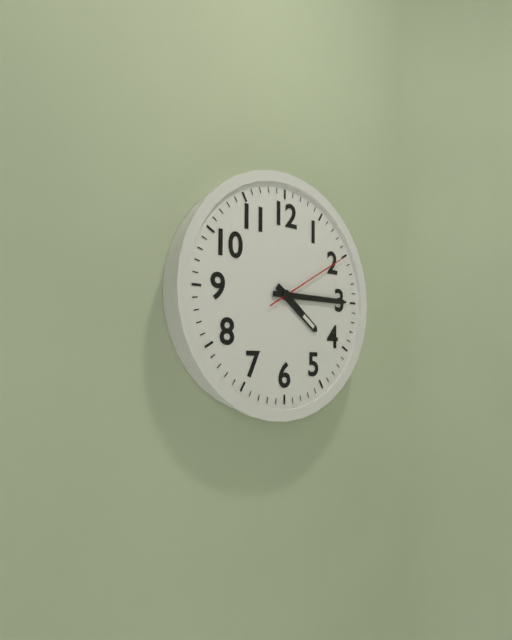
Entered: 4.15.10
